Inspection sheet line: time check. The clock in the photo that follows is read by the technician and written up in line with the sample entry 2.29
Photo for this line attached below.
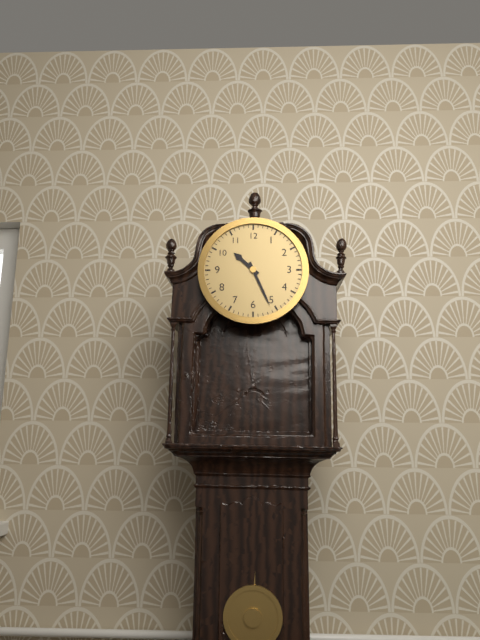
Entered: 10.26
